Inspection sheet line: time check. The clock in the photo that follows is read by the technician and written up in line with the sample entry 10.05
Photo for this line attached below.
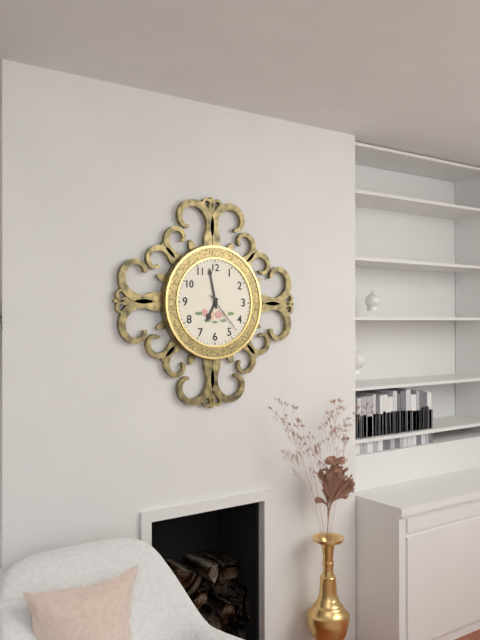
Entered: 6.58
